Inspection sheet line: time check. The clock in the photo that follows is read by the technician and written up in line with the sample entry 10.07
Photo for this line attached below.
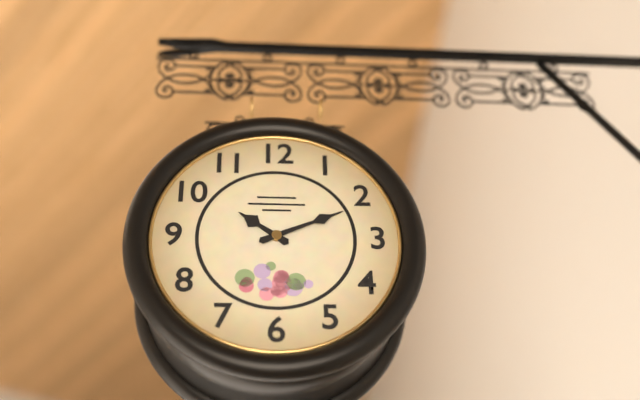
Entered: 10.11
